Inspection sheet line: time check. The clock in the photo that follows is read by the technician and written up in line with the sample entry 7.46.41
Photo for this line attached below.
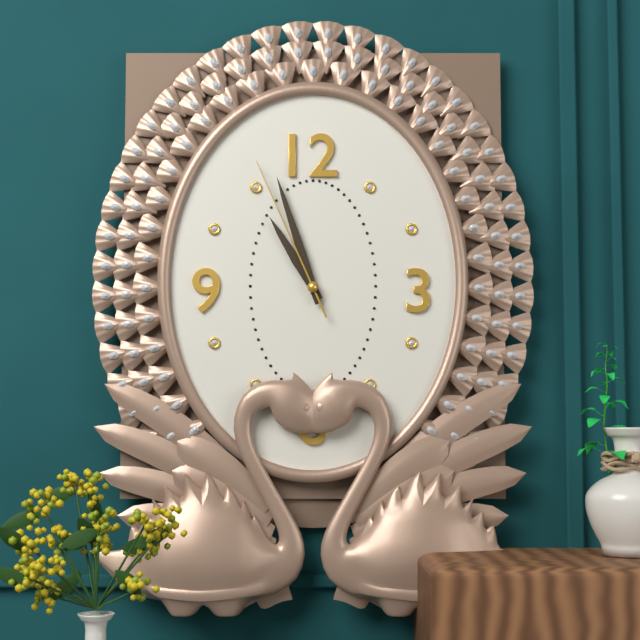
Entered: 10.57.56
